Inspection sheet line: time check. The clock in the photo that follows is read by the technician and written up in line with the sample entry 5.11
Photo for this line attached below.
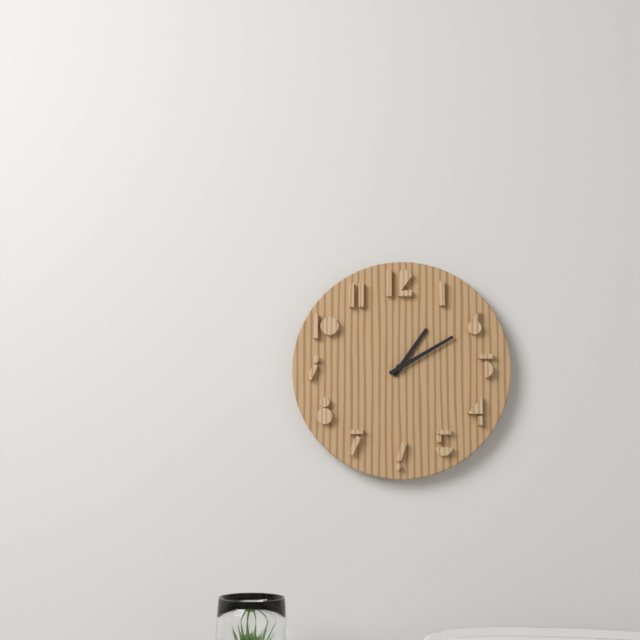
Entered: 1.10
